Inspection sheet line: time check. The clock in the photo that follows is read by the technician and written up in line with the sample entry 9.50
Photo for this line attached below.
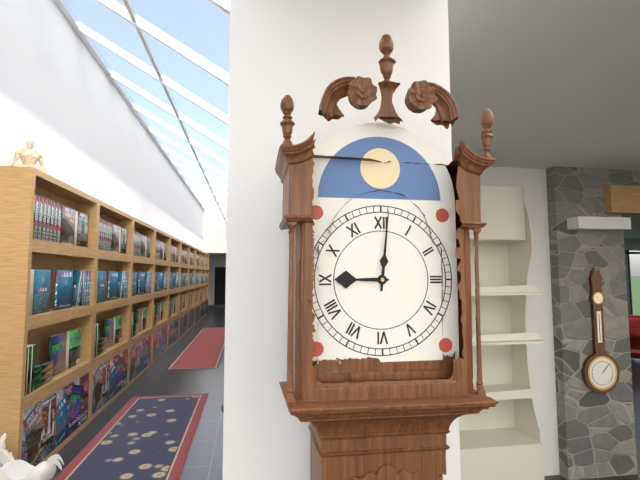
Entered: 9.01
